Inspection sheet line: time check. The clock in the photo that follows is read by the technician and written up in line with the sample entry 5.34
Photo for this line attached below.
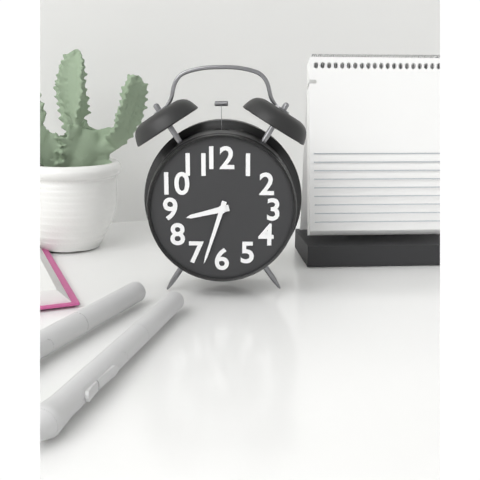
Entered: 8.33
